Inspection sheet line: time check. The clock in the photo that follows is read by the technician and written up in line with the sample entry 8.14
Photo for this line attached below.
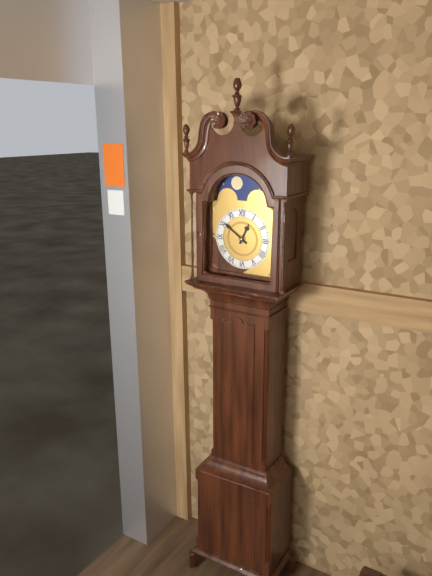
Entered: 12.51
